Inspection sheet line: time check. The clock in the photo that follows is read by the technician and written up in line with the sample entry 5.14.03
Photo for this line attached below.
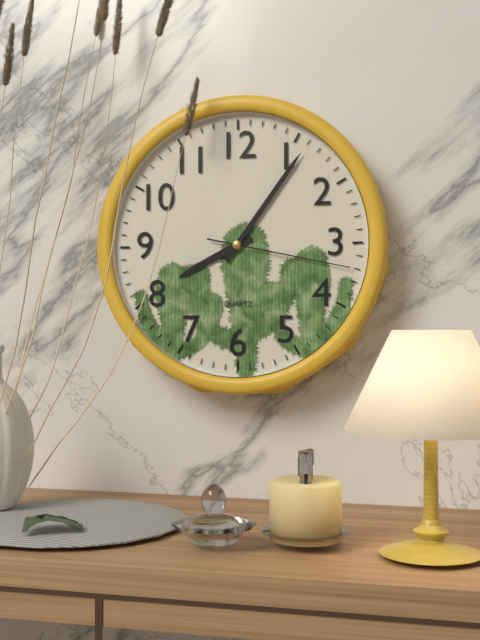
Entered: 8.06.17
